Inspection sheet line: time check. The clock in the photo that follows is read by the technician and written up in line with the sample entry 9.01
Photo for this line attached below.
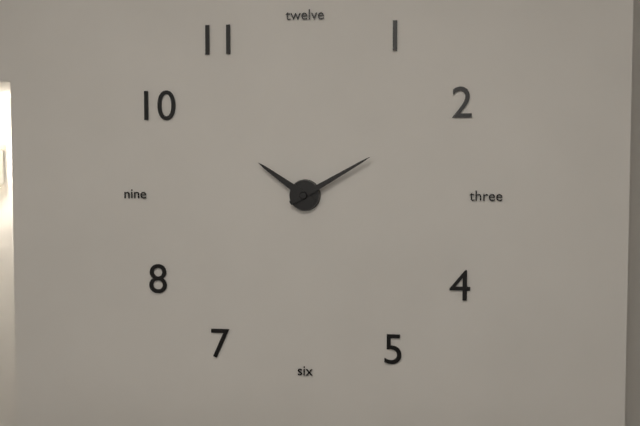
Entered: 10.10
